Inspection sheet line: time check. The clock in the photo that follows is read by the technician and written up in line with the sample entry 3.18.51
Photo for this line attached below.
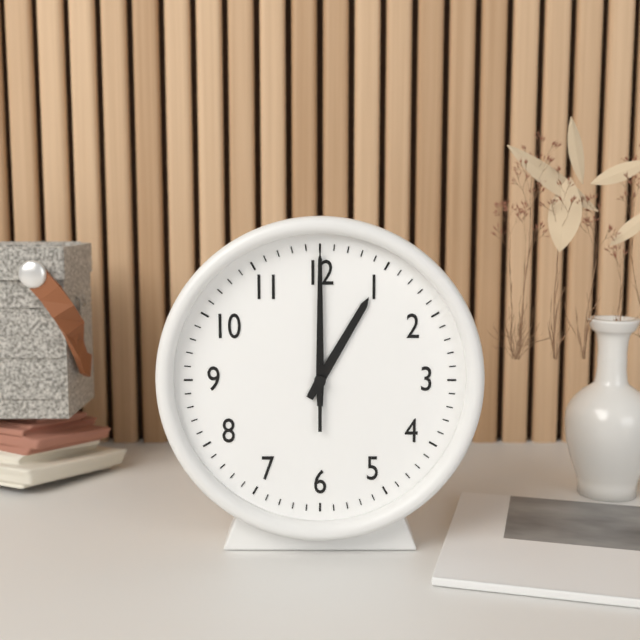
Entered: 1.00.00
